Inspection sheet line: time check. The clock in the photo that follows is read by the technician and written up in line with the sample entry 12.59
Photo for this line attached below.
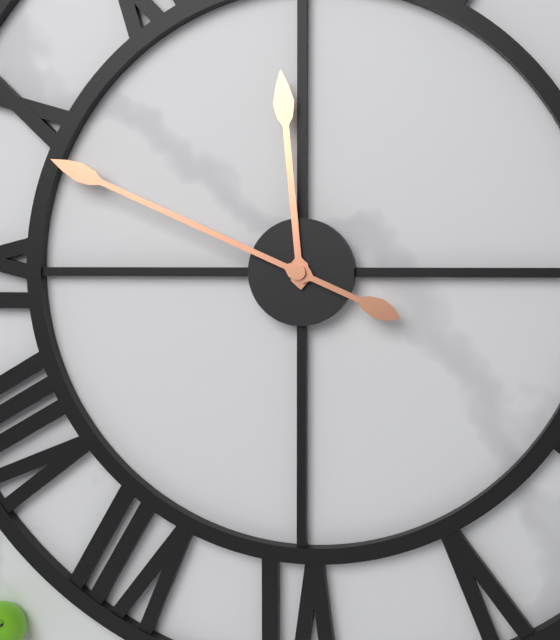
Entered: 11.49
